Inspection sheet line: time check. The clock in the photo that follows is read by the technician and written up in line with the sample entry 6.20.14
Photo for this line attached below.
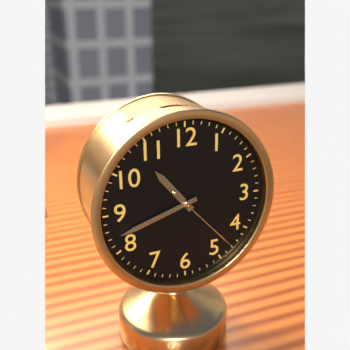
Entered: 10.42.23
